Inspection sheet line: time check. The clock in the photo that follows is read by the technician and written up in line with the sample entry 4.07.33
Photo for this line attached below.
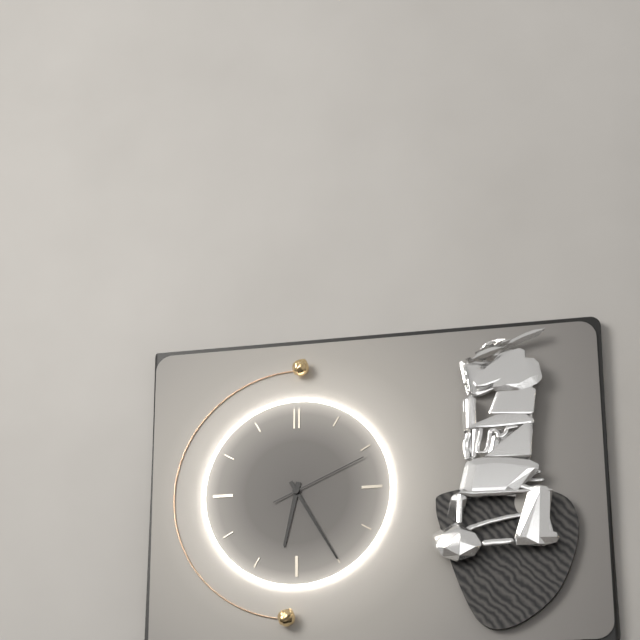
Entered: 6.25.11
